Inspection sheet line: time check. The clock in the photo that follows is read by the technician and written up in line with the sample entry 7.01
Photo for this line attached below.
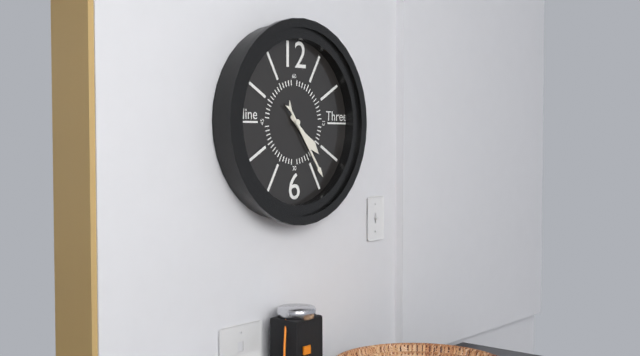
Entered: 4.24
